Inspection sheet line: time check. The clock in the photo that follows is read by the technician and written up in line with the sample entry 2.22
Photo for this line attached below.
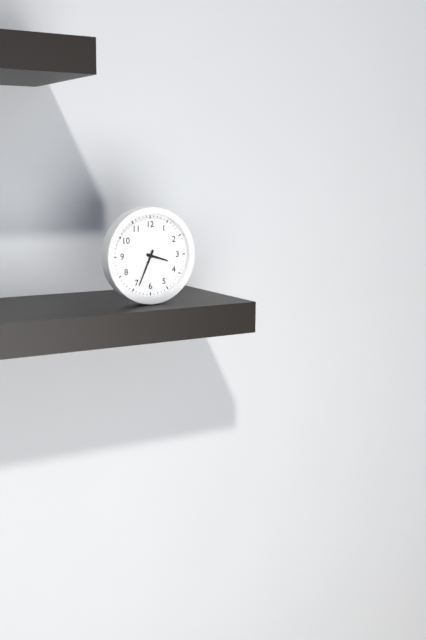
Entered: 3.34
